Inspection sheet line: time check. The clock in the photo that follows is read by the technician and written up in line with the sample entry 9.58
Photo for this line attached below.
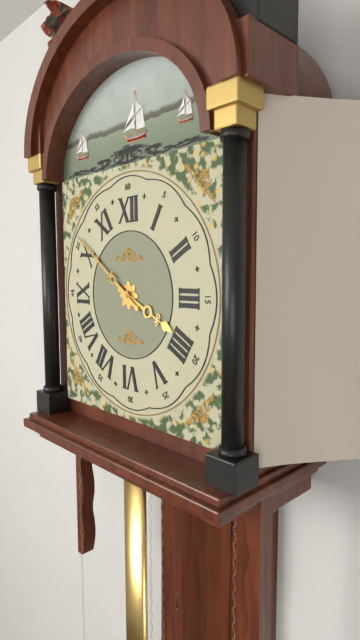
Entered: 3.51
